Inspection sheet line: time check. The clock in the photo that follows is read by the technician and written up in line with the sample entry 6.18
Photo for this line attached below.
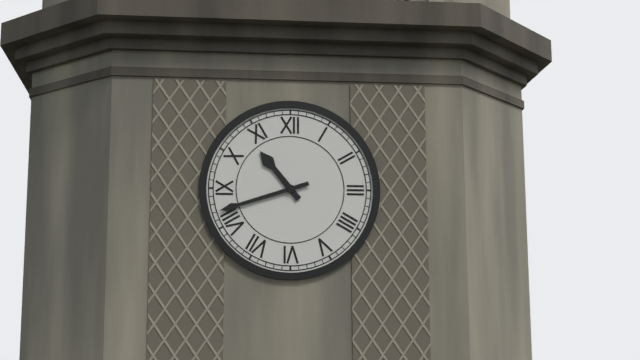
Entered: 10.42
